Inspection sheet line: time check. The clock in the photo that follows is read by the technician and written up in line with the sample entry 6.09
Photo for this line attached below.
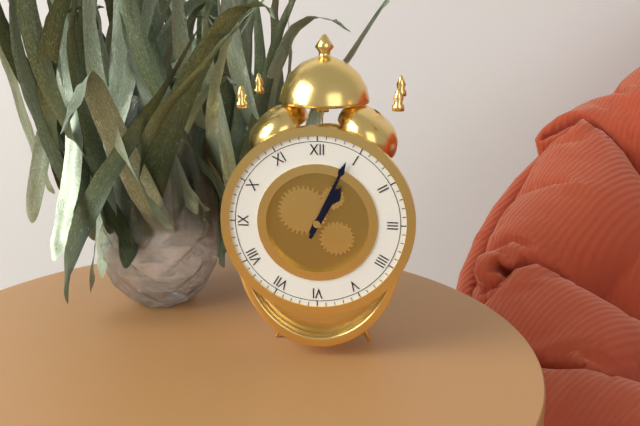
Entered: 1.04
